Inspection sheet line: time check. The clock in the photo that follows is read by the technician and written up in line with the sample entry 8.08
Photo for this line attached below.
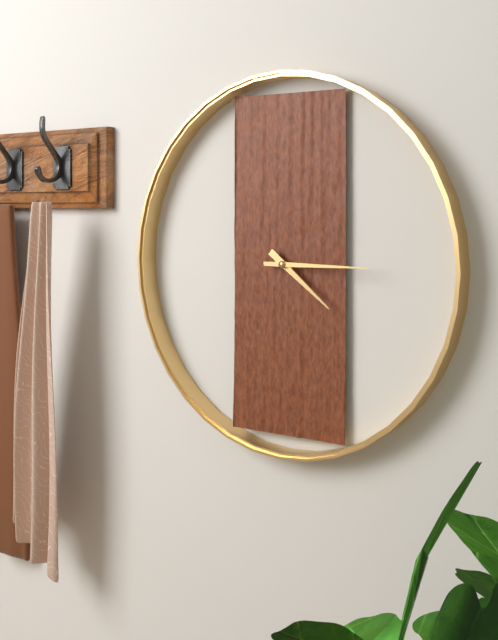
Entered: 4.15
